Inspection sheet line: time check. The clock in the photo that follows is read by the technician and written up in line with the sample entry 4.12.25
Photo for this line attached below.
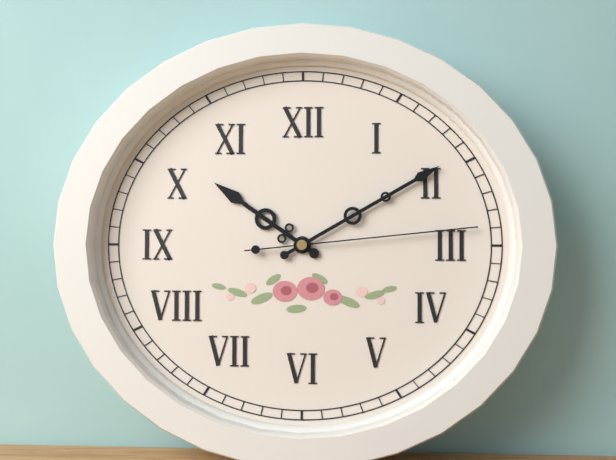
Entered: 10.10.14
